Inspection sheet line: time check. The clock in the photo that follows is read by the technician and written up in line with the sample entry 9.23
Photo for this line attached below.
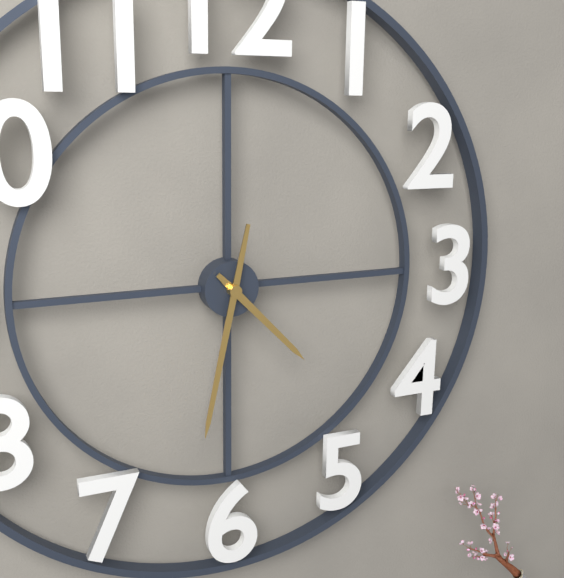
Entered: 4.32
